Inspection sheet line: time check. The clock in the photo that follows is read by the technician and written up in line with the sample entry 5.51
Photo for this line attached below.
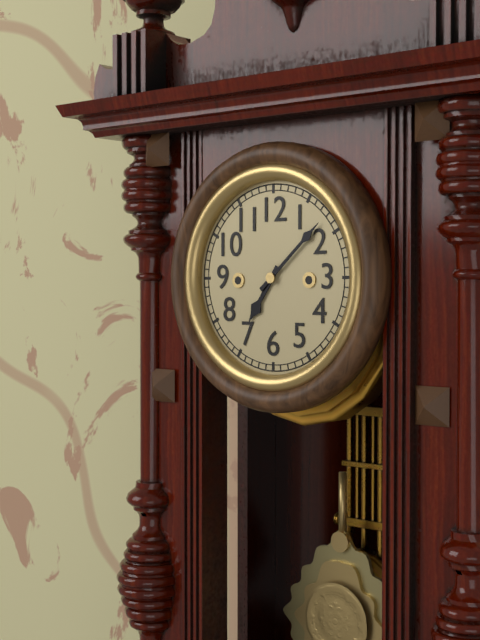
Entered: 7.08
